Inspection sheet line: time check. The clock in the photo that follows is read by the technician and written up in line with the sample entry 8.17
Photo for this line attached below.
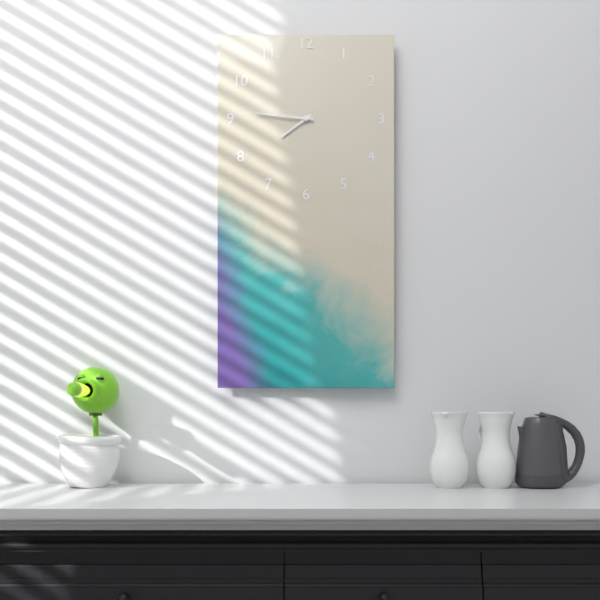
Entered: 7.46
